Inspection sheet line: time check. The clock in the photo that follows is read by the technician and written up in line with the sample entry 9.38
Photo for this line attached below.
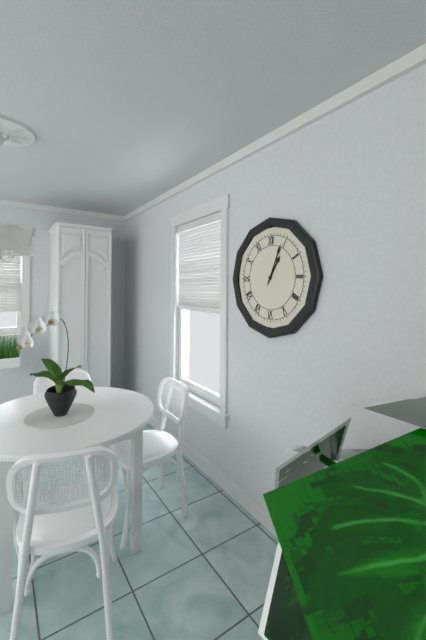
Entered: 1.04
